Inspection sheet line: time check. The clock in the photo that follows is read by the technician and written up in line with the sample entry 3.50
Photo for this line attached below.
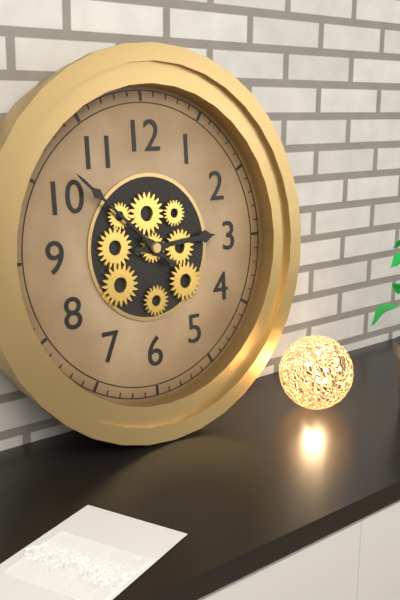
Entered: 2.52
